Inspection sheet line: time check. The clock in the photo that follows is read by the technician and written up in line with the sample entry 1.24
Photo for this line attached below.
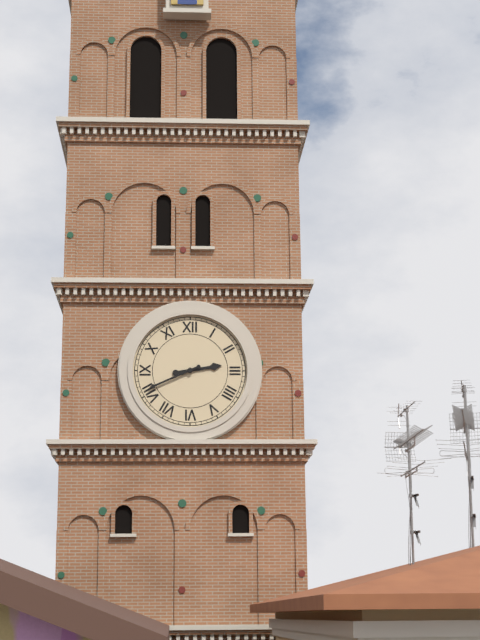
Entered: 2.41
